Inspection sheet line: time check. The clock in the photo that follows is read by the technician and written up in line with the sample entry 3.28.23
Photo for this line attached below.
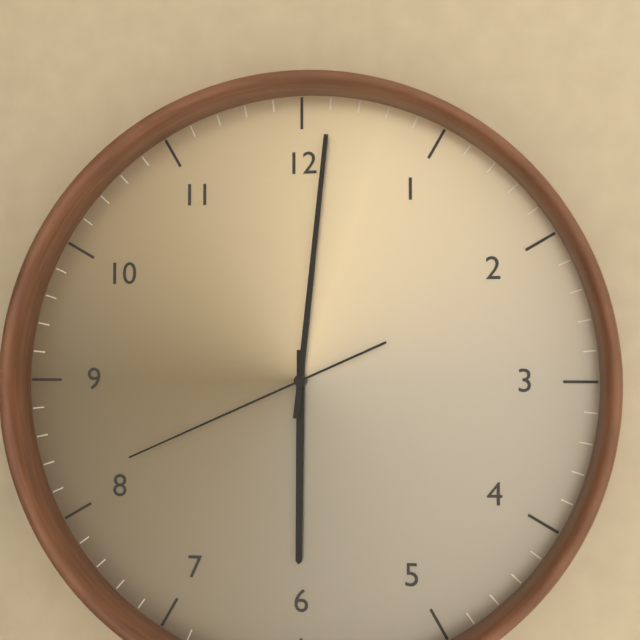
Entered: 6.01.41
